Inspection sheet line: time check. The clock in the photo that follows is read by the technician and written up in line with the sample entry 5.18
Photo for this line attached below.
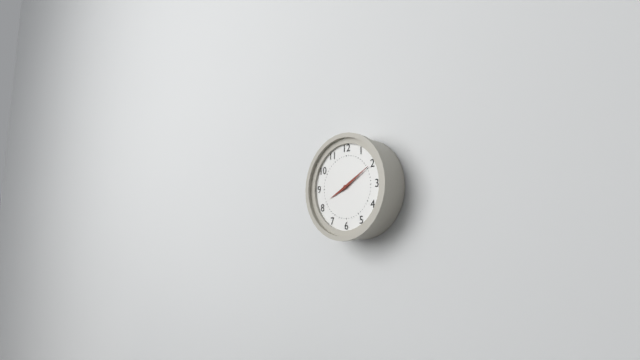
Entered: 8.10
